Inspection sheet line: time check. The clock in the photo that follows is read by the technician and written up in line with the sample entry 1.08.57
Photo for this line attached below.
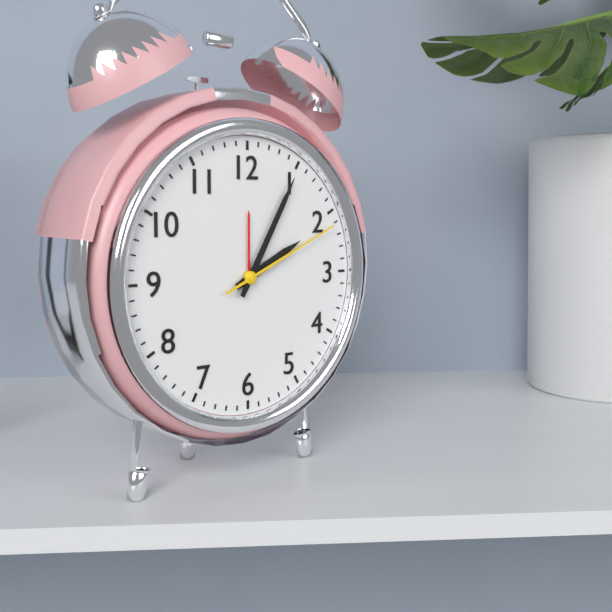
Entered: 2.05.11
